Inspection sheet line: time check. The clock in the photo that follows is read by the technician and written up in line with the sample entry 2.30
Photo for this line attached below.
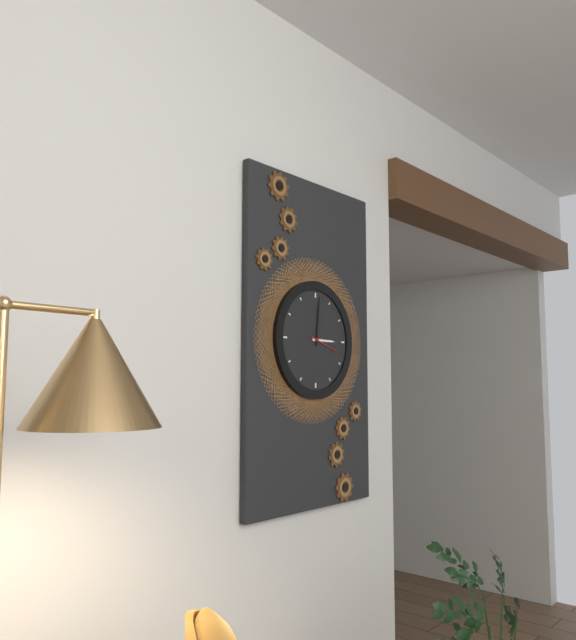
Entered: 3.01
